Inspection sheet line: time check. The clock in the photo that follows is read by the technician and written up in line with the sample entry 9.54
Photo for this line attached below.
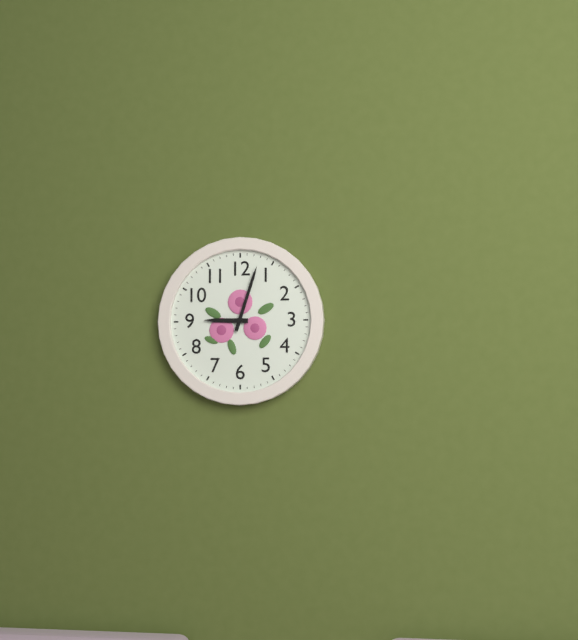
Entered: 9.03
